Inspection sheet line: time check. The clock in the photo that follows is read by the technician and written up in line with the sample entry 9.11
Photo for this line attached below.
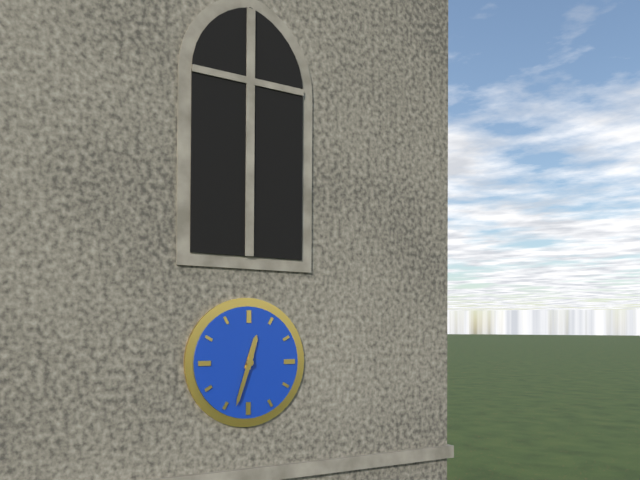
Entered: 12.33
